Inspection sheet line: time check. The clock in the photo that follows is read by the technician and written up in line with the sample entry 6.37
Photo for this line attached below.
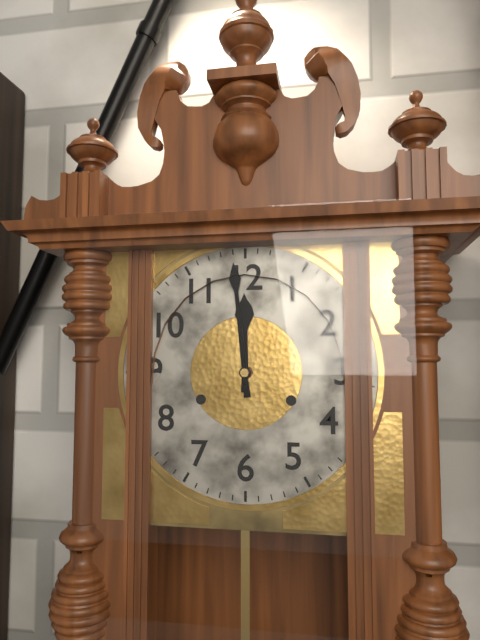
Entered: 11.59
